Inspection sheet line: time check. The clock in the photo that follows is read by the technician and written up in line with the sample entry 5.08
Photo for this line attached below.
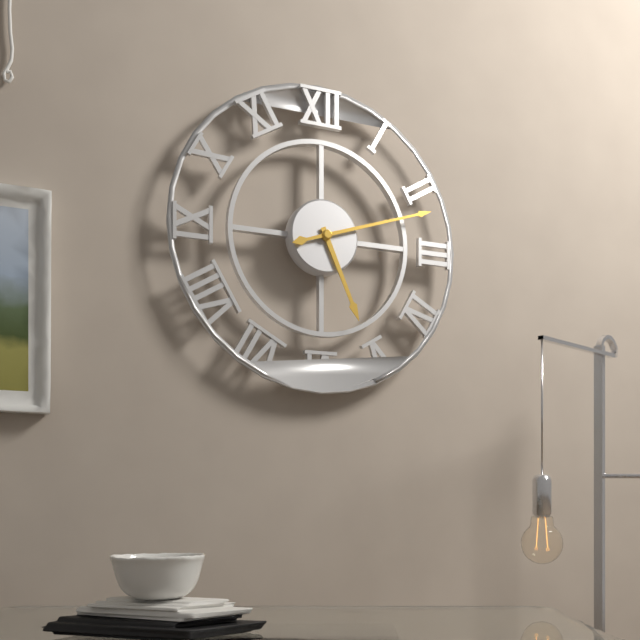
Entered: 5.12
